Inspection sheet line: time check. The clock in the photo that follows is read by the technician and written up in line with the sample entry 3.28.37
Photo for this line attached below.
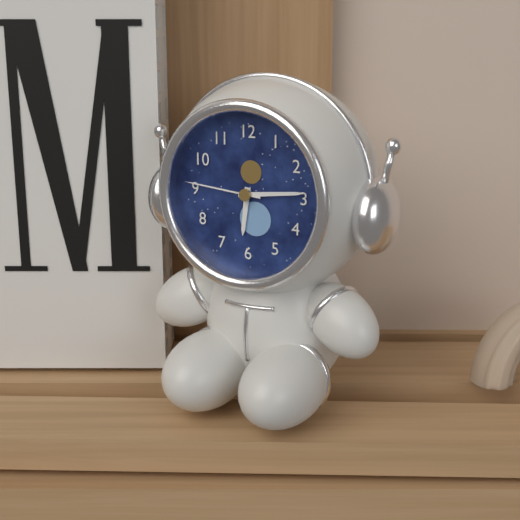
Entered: 6.14.46
